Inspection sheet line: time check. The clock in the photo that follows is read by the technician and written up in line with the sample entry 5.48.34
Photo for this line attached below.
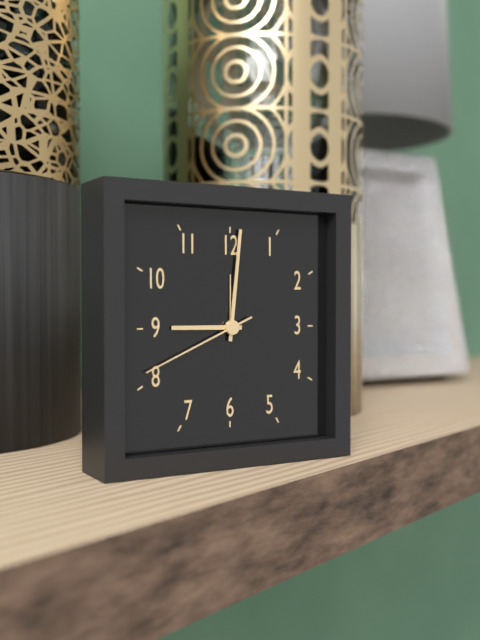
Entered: 9.01.41
